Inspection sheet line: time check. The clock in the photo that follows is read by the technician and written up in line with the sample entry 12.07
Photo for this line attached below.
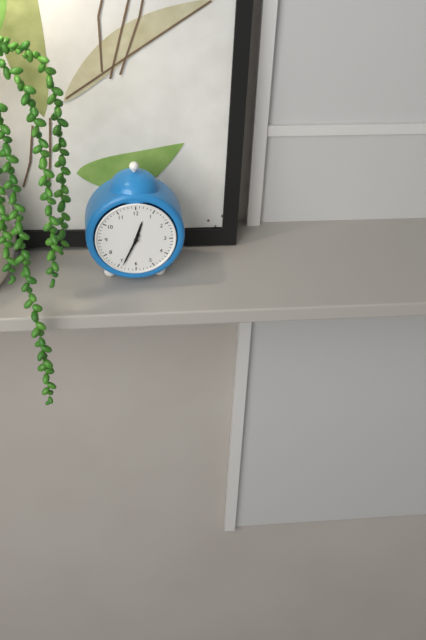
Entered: 12.34
